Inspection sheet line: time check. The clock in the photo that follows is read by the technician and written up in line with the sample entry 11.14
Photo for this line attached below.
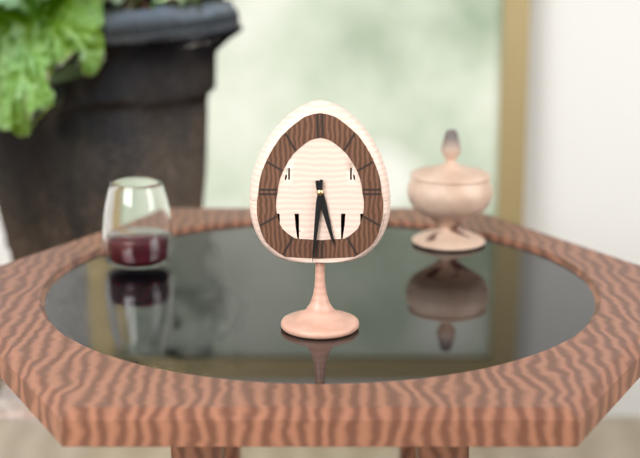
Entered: 5.31
